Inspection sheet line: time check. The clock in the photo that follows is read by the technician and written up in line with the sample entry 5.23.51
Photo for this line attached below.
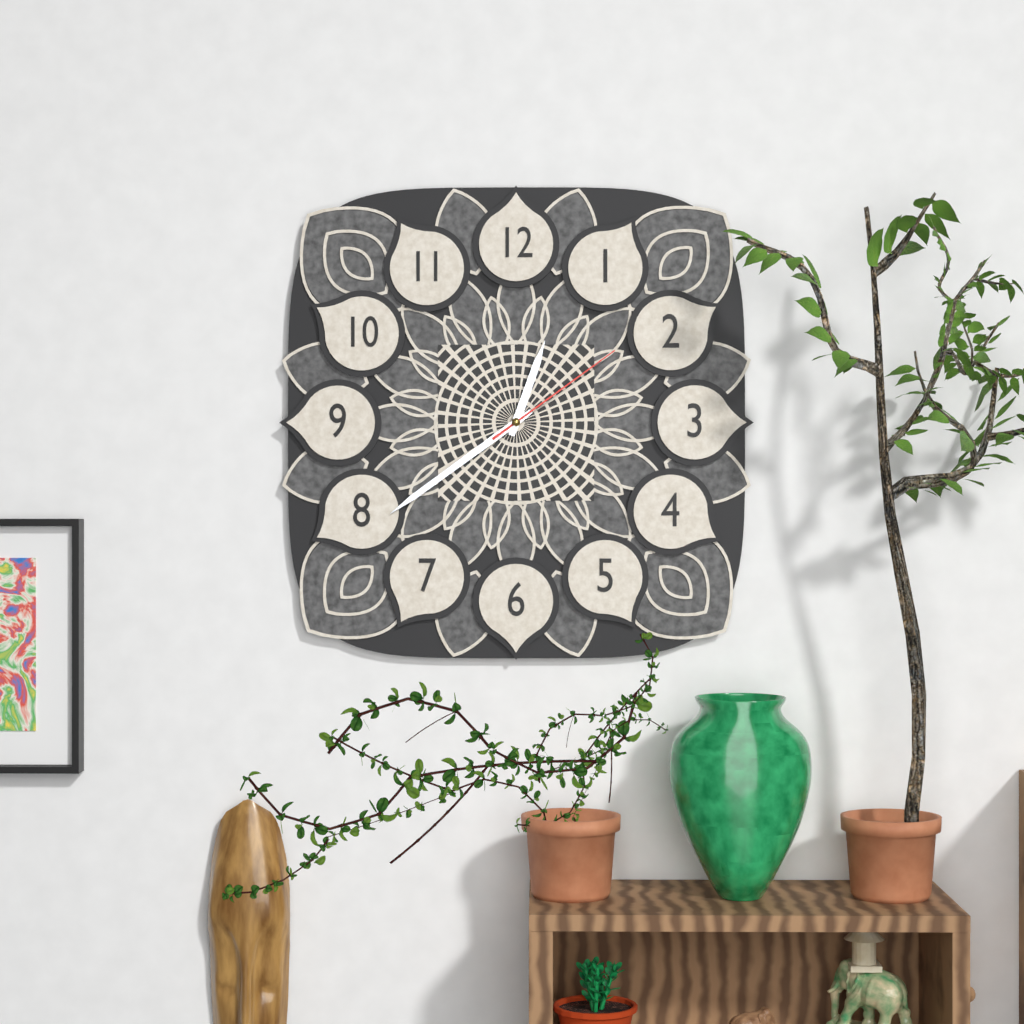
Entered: 12.39.09
